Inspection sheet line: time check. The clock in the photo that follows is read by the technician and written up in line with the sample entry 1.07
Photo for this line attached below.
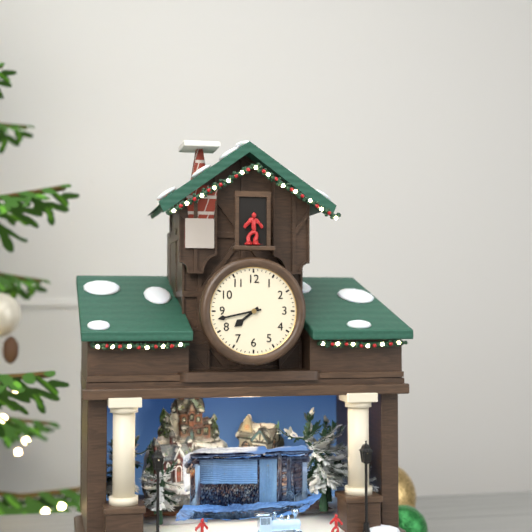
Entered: 7.43
